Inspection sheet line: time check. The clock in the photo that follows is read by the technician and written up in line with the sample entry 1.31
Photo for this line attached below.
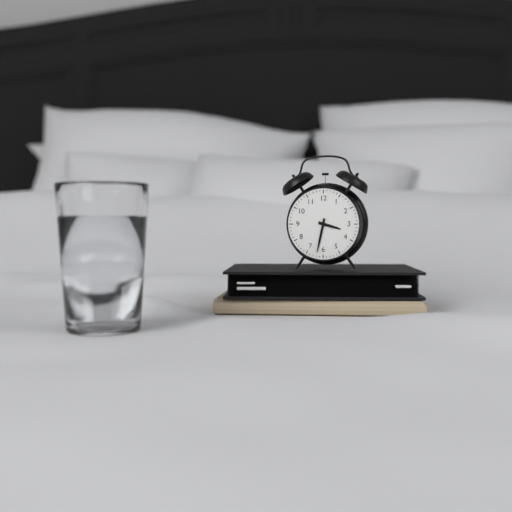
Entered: 3.32
